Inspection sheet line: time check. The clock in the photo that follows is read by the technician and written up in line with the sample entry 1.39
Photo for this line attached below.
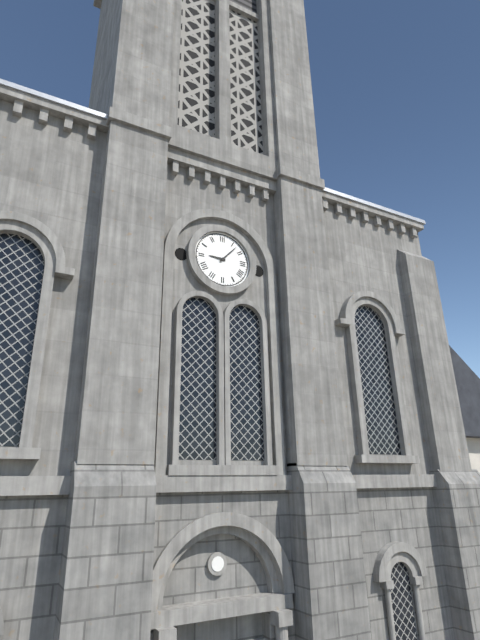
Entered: 9.07
